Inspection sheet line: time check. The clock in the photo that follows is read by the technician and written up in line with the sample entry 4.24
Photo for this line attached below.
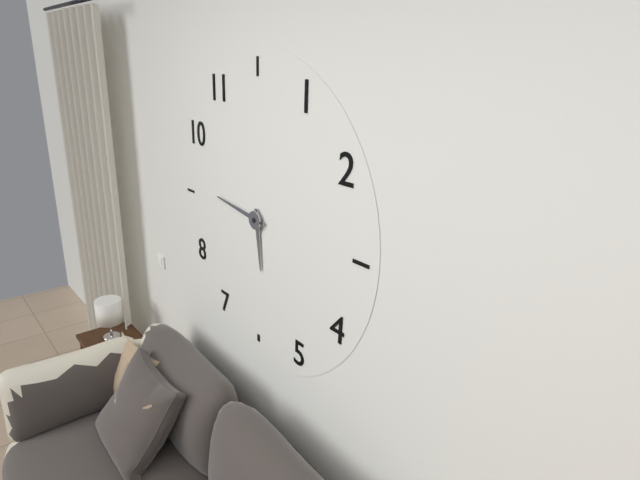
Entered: 5.46
